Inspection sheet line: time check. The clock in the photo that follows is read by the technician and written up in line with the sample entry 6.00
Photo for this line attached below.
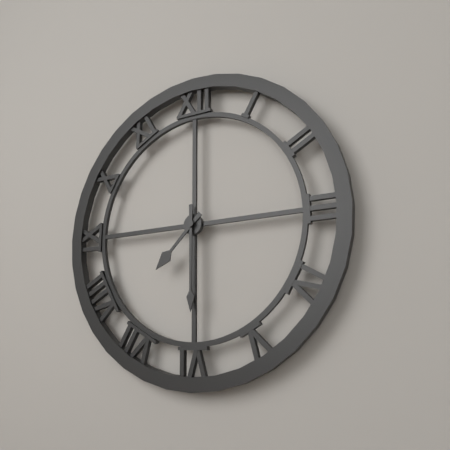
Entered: 7.30
